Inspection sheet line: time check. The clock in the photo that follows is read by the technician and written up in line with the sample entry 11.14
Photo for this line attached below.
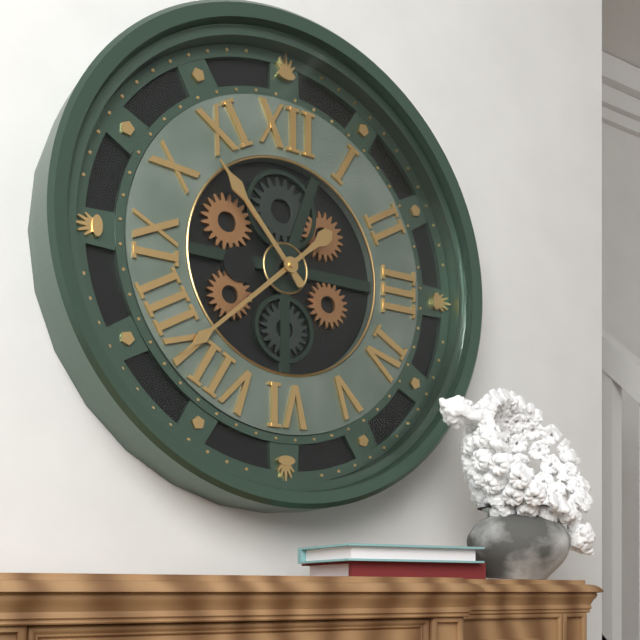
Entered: 10.38
